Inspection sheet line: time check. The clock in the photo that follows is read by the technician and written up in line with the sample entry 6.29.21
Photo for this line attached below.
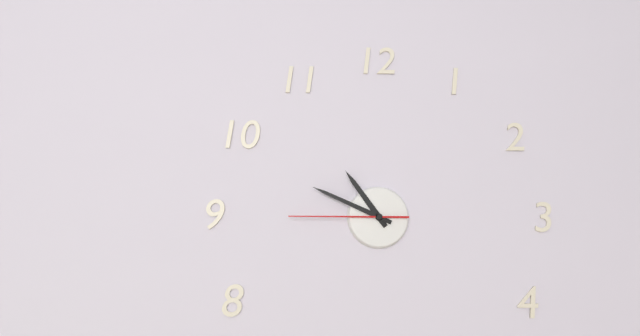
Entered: 10.49.45
